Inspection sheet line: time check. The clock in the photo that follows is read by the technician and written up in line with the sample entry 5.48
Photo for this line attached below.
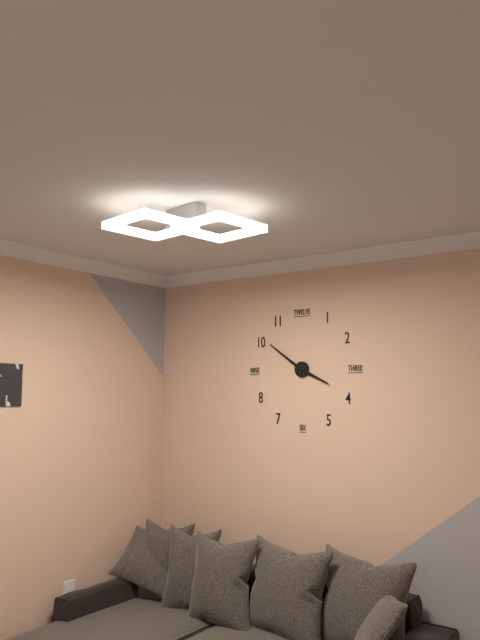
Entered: 3.51
